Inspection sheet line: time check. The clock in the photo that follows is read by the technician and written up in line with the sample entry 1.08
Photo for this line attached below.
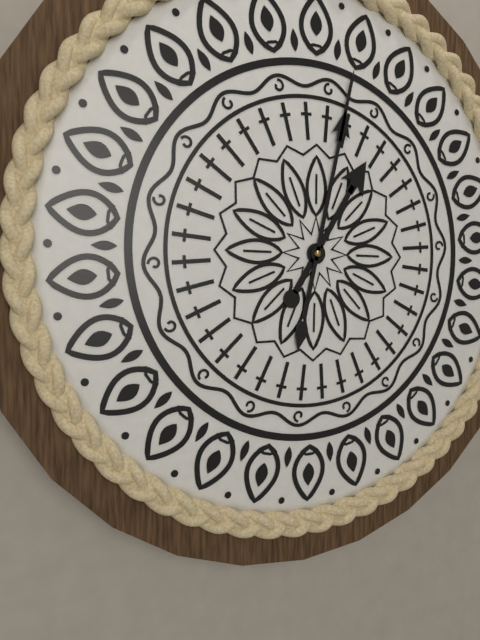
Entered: 1.02
